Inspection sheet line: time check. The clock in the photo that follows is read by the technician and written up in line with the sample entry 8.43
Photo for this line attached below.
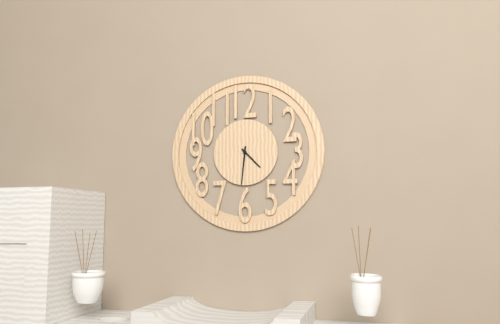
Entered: 4.31
